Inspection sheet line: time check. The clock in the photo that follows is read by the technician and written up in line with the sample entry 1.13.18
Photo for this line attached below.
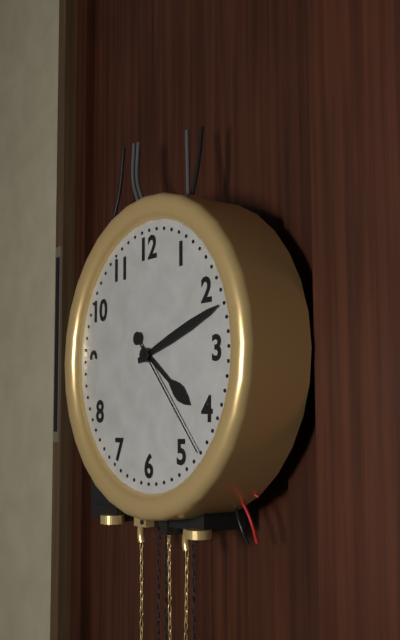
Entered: 4.12.23
